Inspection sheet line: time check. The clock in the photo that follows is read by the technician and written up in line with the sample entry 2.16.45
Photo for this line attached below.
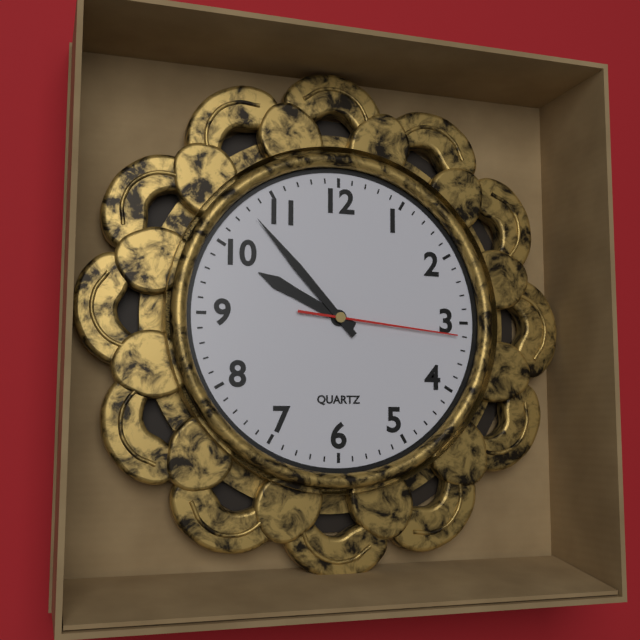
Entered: 9.53.16
